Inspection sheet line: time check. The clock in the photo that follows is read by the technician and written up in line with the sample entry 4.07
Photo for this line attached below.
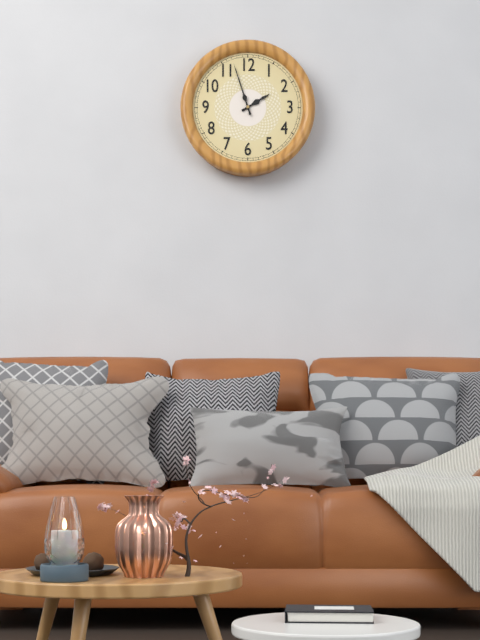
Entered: 1.57
